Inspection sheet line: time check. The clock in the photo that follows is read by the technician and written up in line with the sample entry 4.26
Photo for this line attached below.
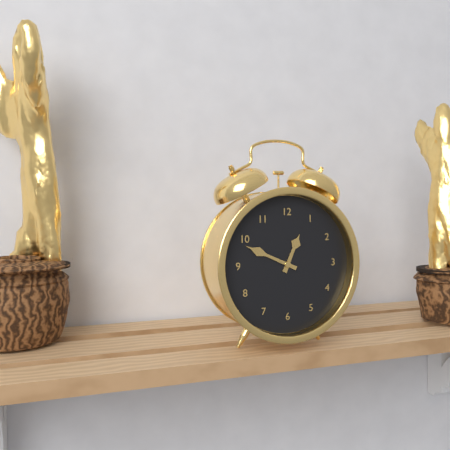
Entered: 12.49
